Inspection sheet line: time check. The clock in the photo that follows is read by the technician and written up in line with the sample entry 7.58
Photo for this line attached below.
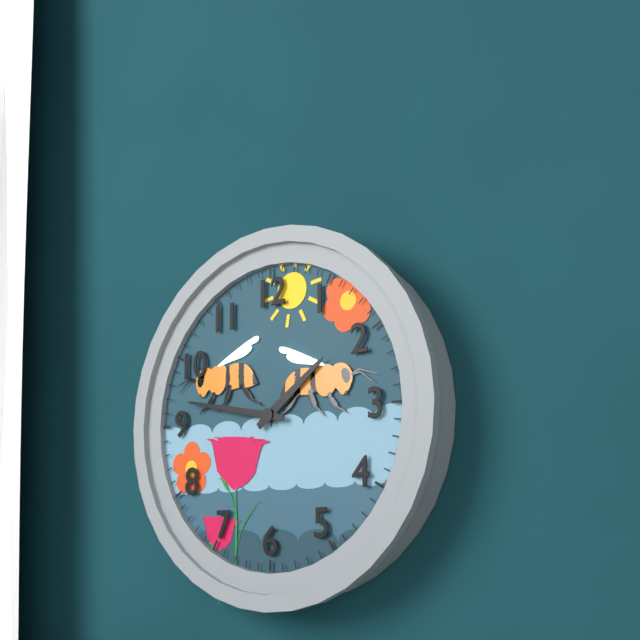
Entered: 1.47
